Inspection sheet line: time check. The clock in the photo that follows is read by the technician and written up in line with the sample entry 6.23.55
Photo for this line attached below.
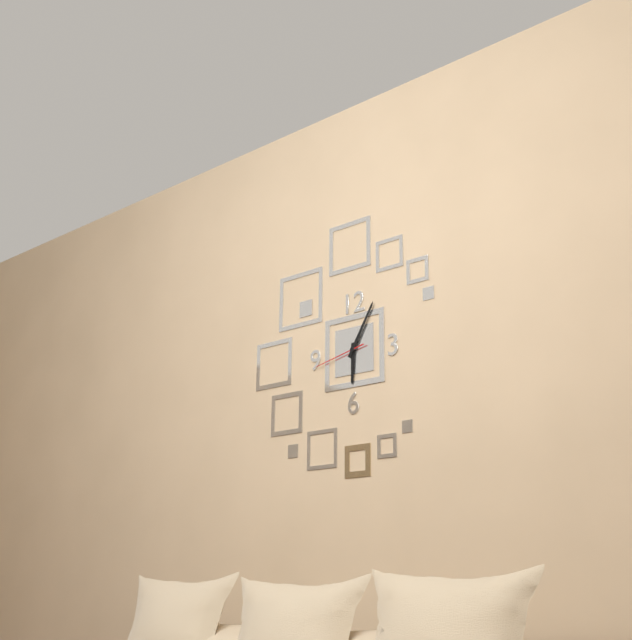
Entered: 6.05.43
